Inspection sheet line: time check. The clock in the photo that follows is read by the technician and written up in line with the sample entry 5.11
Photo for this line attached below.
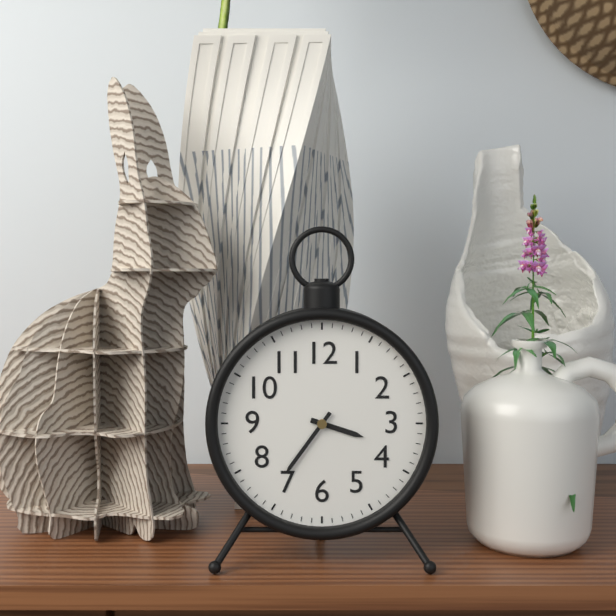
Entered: 3.36
